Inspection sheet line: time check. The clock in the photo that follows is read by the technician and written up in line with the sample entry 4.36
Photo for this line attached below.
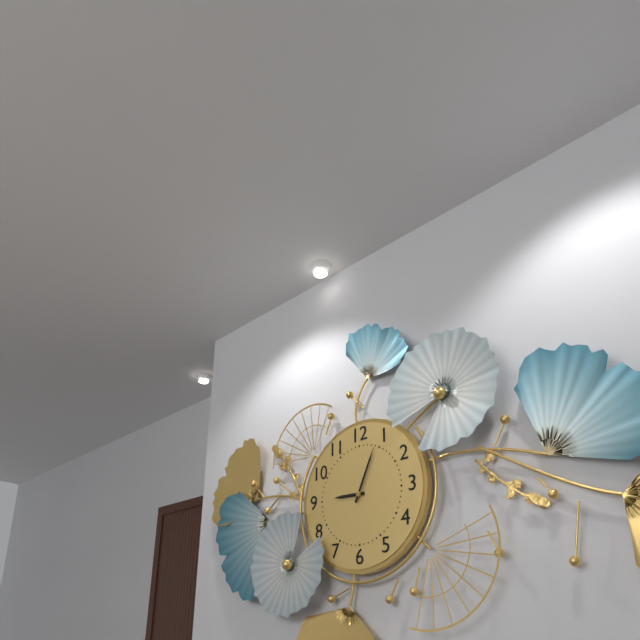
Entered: 9.04
